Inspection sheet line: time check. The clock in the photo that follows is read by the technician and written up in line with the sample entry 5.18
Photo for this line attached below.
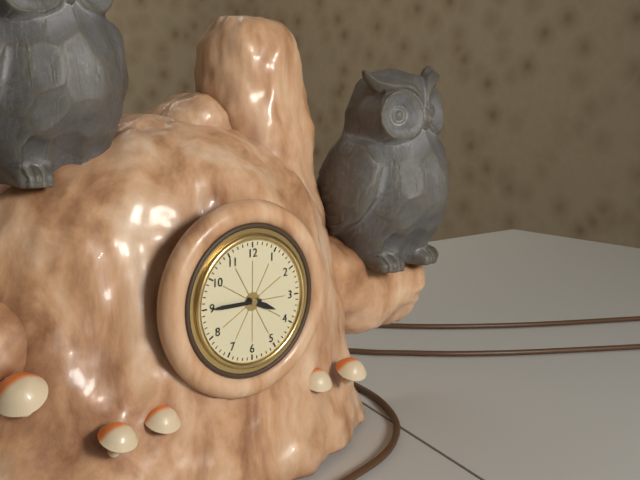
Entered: 3.45
